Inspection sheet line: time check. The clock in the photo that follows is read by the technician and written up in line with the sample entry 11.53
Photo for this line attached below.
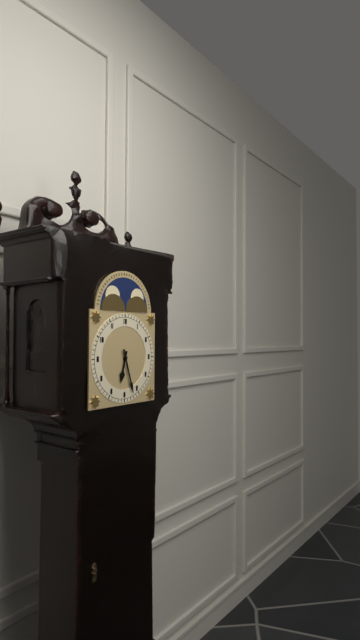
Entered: 6.27
